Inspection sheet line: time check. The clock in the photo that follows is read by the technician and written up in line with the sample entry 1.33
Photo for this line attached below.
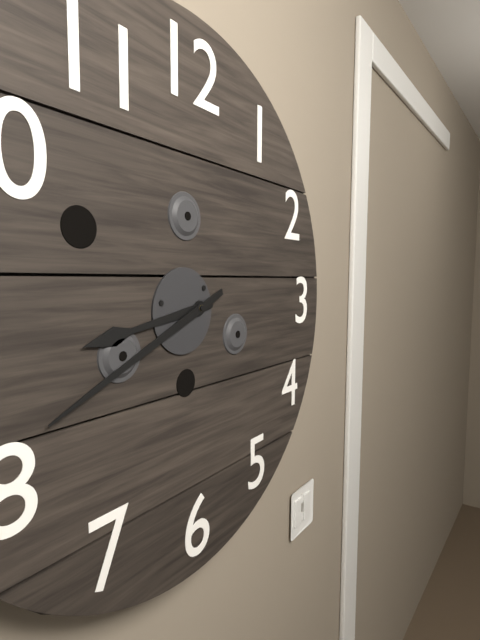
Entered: 8.41
